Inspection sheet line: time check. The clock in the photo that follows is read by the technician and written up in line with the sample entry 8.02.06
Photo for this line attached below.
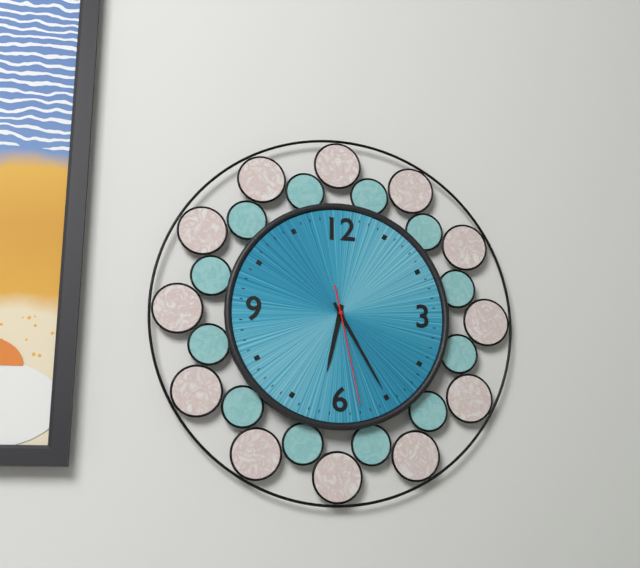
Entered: 6.25.28
